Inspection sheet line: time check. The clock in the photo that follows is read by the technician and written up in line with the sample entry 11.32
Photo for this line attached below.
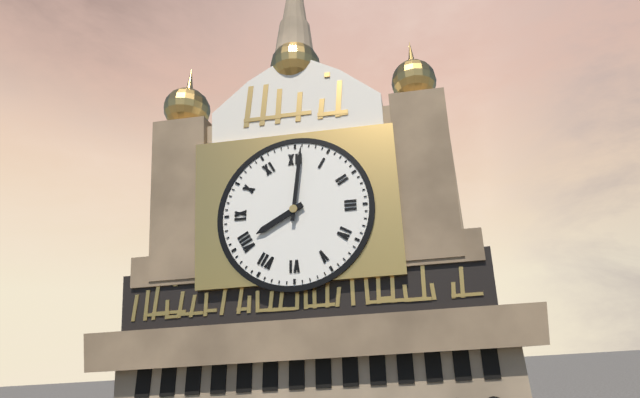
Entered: 8.01
